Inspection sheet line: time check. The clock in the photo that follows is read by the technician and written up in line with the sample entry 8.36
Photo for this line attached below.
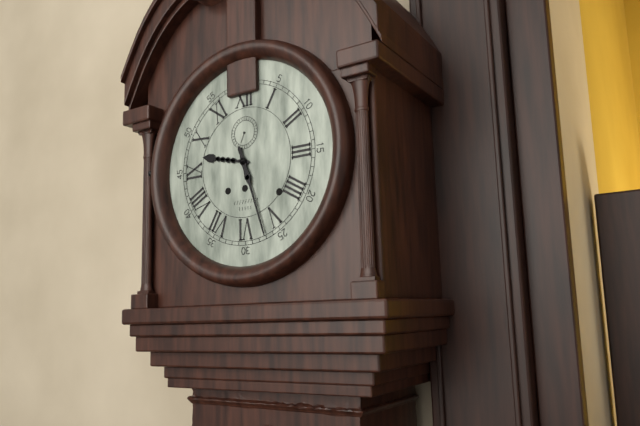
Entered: 9.27
